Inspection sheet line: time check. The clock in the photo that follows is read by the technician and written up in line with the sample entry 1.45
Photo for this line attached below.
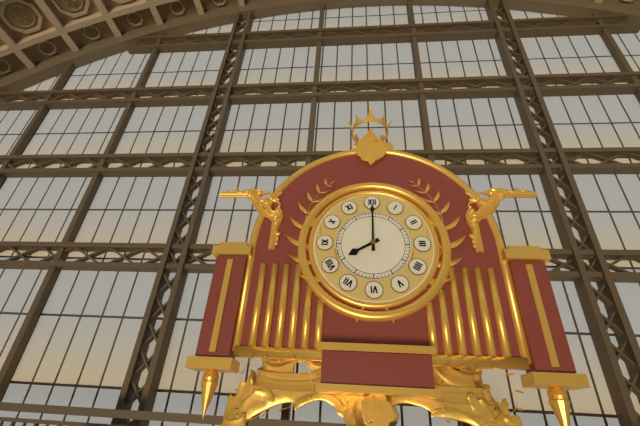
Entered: 8.00
